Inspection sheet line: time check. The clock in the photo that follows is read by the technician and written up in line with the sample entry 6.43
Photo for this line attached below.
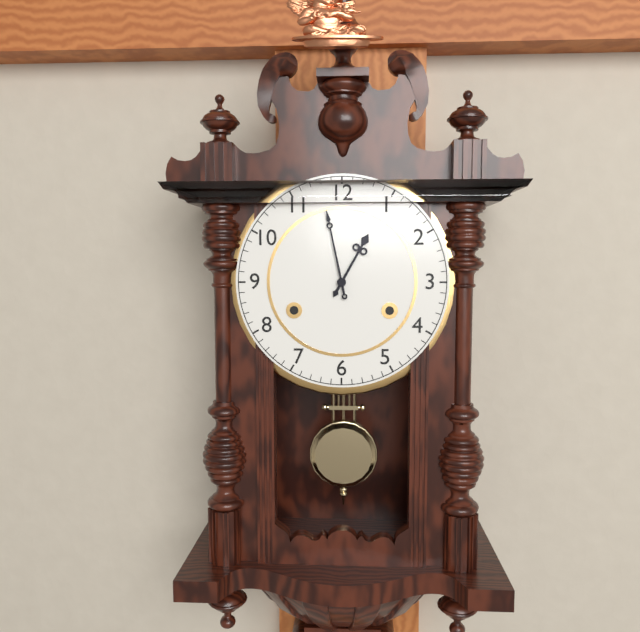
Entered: 12.58
